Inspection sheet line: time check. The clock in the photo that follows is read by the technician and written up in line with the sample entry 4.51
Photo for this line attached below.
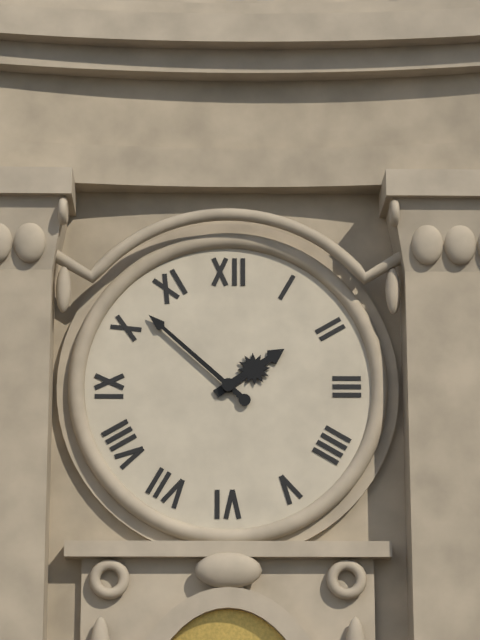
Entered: 1.52
